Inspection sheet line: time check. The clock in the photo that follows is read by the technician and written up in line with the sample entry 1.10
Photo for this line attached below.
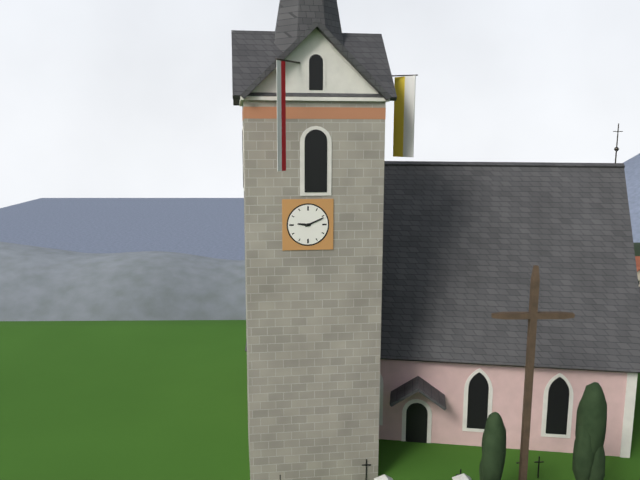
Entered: 9.11
